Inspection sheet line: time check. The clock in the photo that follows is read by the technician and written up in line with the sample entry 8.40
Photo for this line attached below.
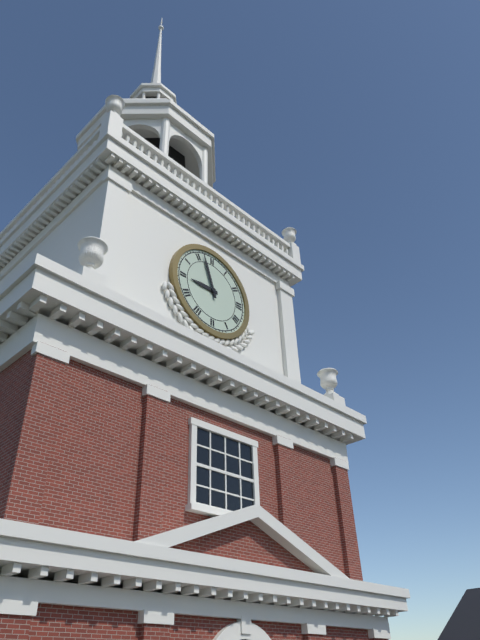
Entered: 8.57
